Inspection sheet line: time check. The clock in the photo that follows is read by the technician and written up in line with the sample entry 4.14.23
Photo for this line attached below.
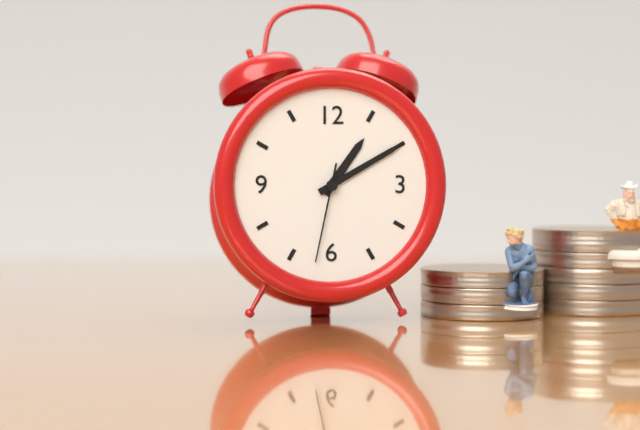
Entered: 1.10.32
